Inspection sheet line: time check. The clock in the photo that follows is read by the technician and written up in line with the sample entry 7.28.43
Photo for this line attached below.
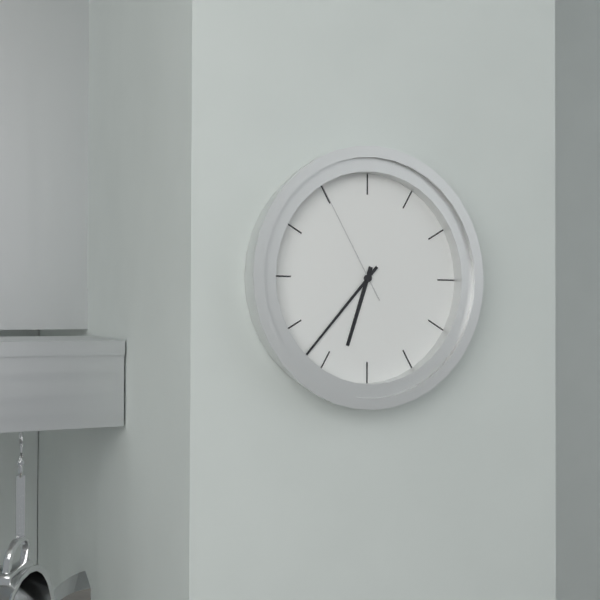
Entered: 6.37.55
